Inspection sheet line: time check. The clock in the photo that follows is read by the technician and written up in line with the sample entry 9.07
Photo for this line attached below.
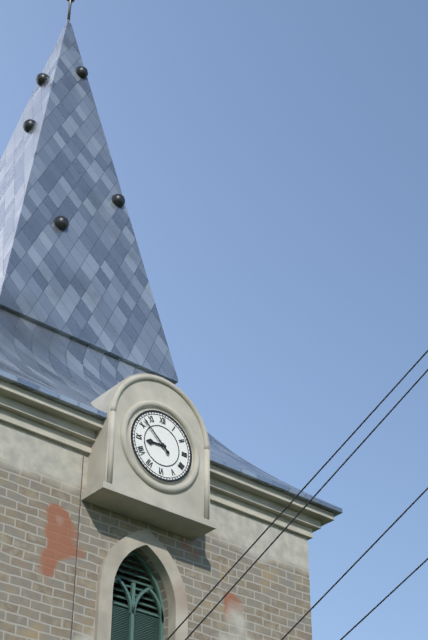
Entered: 8.52
